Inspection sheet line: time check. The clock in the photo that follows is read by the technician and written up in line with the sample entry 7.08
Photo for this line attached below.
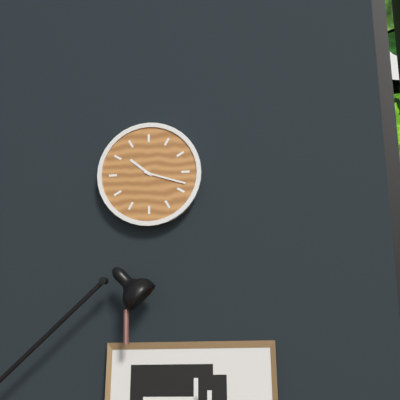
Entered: 10.18
